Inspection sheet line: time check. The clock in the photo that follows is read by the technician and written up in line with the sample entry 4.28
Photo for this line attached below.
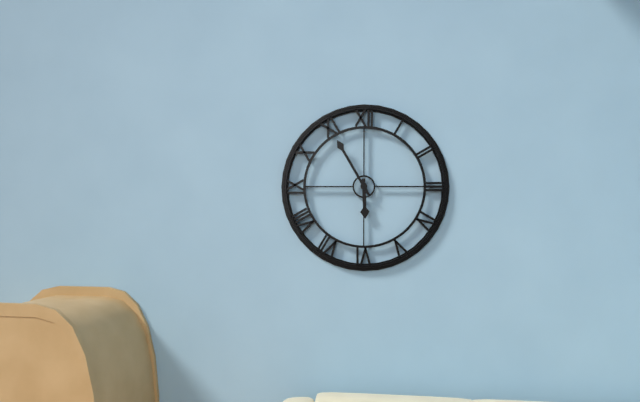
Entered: 5.55
